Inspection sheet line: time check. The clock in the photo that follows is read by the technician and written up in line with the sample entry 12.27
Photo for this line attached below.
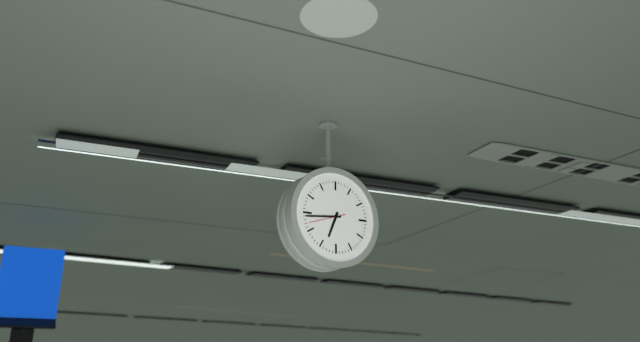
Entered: 6.44
